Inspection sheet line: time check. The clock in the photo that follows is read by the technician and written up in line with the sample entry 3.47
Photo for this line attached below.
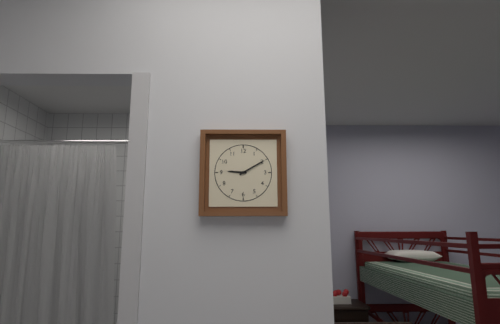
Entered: 9.10
